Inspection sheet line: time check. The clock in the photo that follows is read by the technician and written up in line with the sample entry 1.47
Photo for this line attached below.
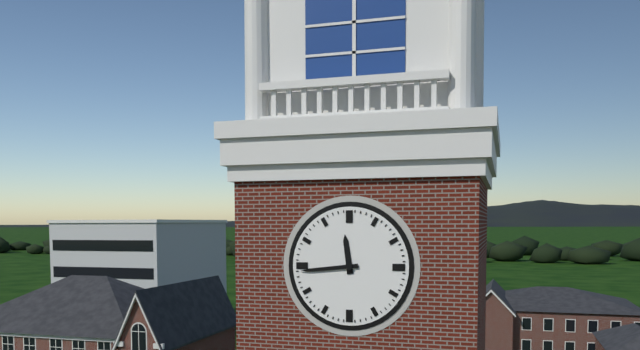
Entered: 11.44
